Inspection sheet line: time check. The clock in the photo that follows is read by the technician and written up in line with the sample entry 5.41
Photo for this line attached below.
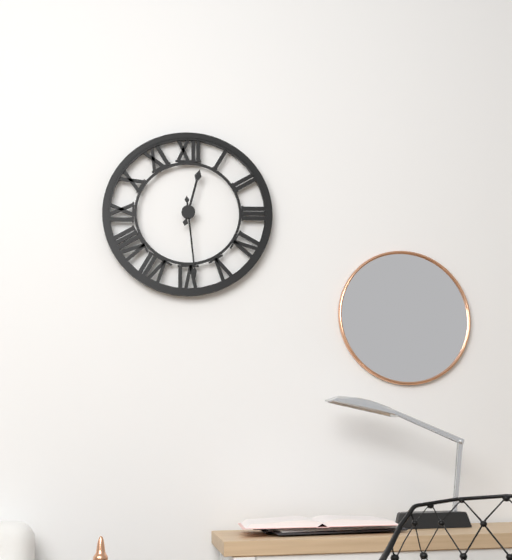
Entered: 12.29
